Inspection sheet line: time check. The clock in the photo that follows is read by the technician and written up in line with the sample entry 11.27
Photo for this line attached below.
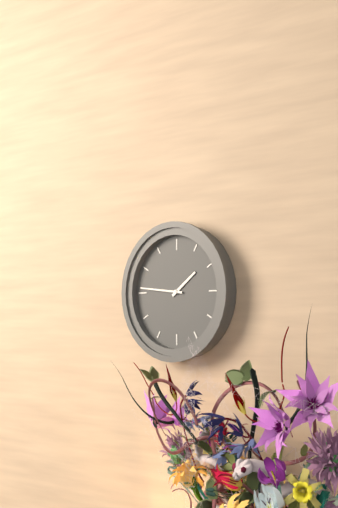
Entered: 1.46
